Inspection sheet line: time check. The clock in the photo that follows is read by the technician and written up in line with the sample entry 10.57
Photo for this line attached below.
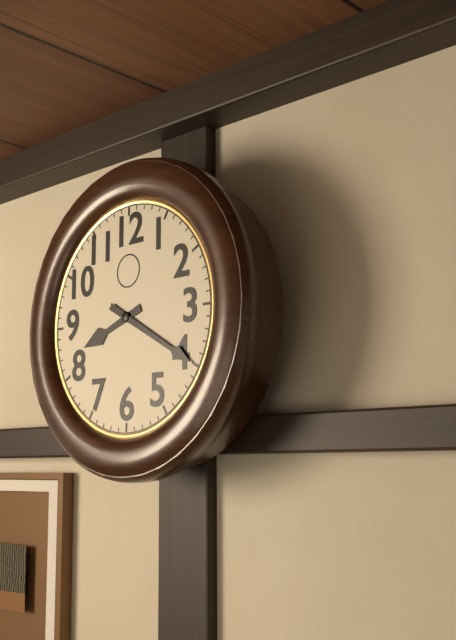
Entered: 8.20
